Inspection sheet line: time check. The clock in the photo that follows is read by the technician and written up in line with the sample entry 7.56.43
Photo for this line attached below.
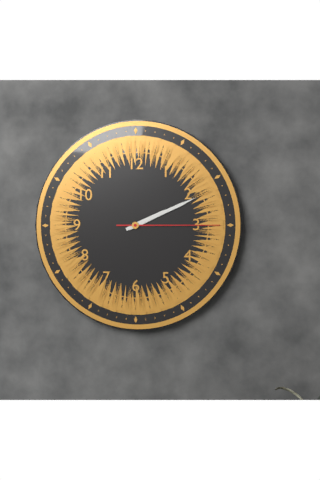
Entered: 2.11.15
